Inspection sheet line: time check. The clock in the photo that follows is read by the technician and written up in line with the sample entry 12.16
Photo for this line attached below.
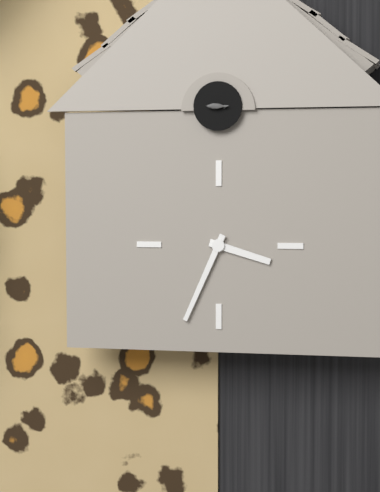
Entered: 3.34
